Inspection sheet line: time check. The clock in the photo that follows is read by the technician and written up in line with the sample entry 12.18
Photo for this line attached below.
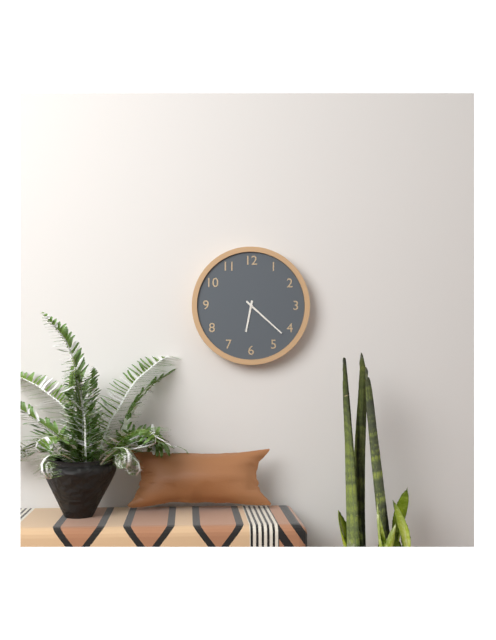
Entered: 6.22
